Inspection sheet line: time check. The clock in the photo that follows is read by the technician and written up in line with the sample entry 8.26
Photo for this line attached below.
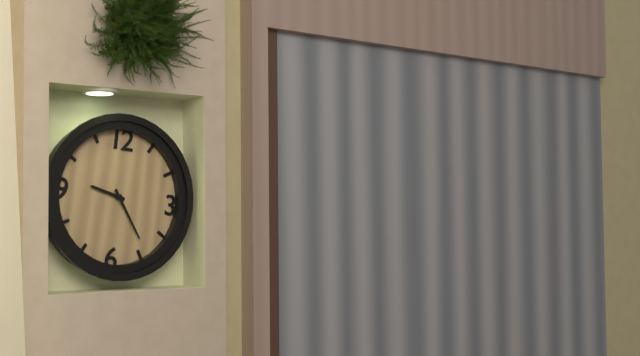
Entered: 9.24
